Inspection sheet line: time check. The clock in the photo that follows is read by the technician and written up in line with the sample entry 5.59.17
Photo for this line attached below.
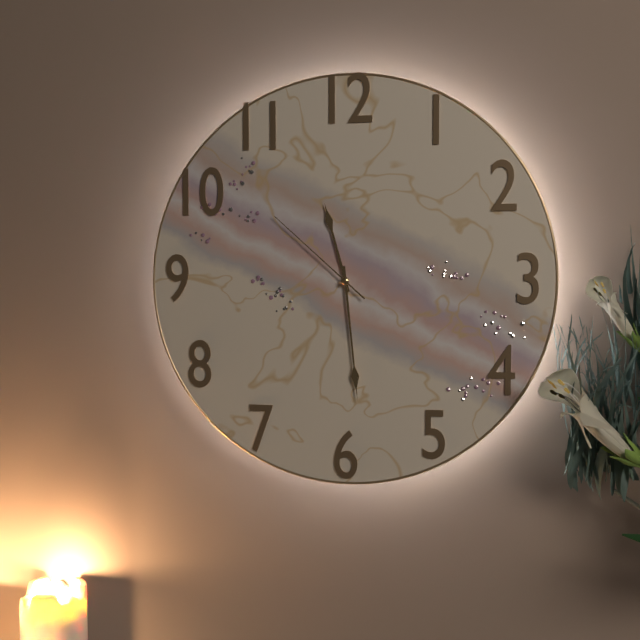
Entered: 11.29.52
